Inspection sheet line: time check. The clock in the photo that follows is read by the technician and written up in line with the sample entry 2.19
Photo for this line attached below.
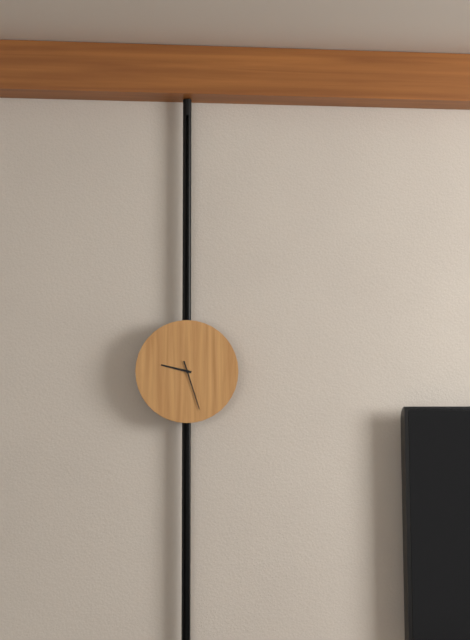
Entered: 9.27
